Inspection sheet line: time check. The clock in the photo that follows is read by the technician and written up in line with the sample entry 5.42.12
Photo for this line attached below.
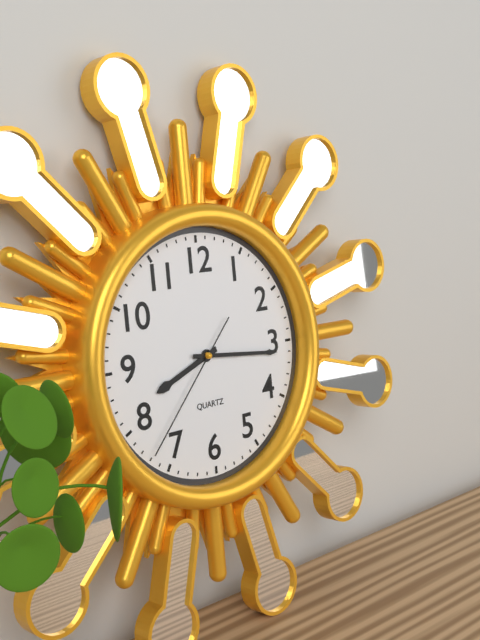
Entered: 8.16.37
